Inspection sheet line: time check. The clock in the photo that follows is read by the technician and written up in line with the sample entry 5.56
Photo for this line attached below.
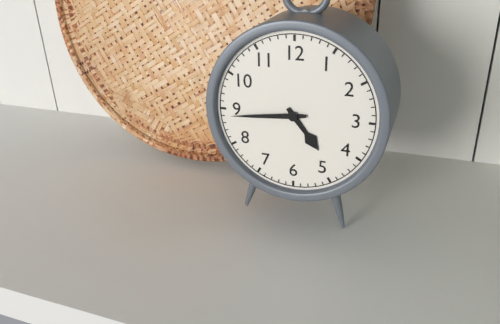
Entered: 4.44
